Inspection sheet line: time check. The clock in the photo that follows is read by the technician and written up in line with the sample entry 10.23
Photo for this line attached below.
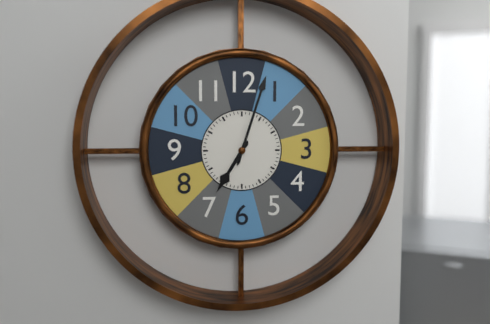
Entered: 7.03
